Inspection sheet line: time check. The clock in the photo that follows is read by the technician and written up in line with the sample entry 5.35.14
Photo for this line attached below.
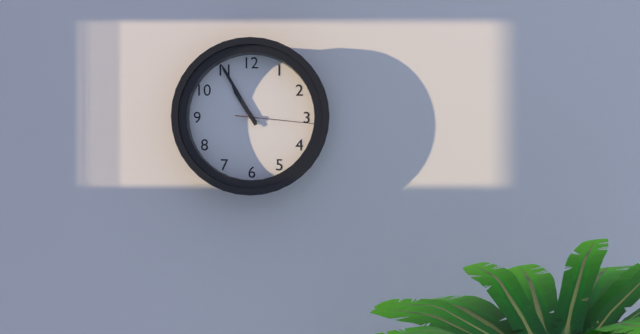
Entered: 10.55.16
